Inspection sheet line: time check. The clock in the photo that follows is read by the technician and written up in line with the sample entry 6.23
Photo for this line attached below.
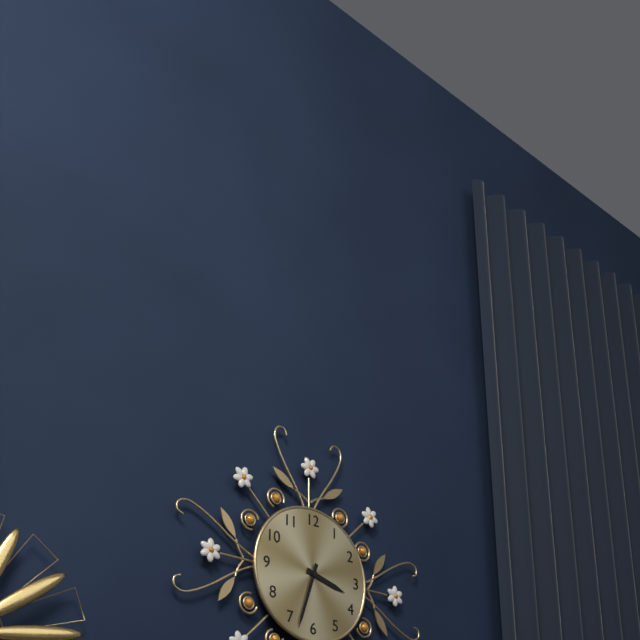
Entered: 3.33
